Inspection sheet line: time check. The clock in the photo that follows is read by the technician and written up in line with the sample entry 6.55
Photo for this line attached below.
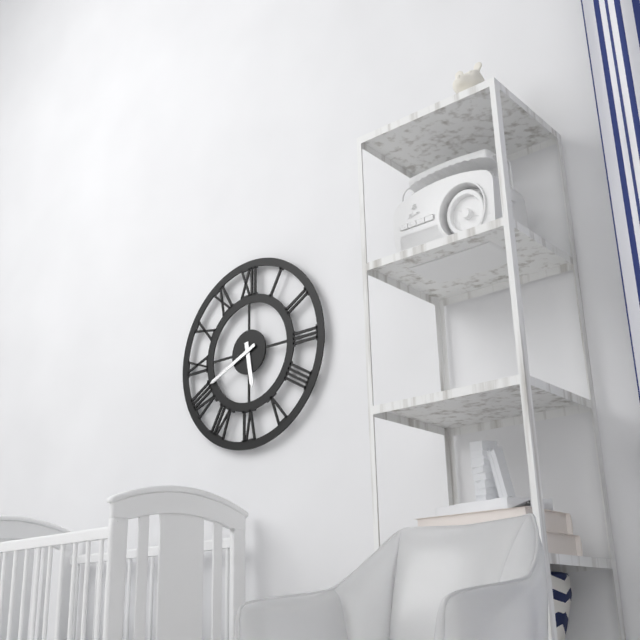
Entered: 5.41
